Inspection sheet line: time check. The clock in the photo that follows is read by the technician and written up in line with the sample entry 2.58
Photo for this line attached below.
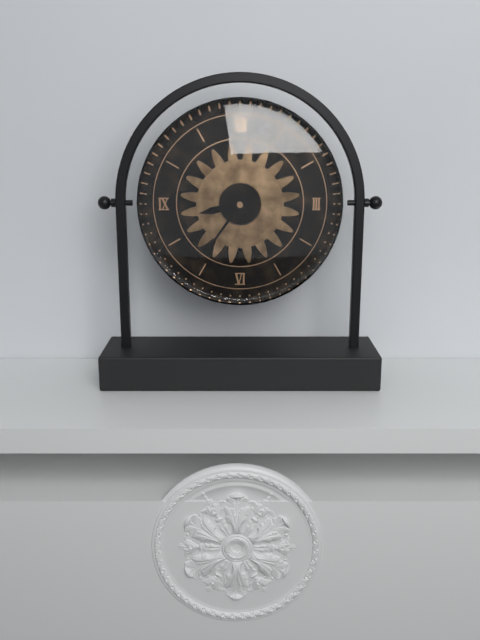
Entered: 8.36
